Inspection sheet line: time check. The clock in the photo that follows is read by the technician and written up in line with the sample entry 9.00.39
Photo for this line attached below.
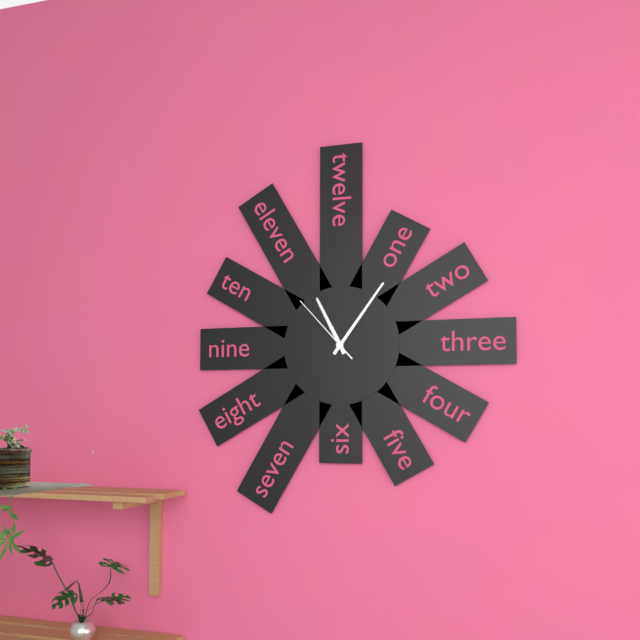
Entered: 11.06.53
